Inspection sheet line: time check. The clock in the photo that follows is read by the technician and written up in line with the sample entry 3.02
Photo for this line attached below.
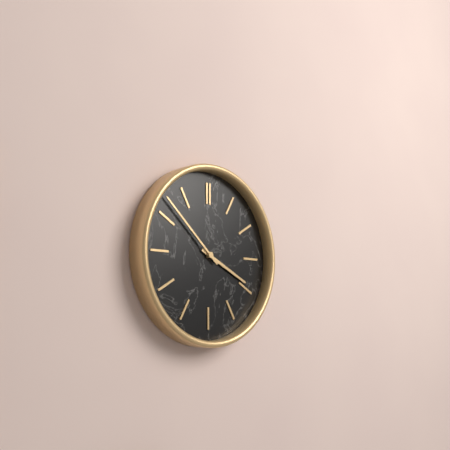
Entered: 3.52
